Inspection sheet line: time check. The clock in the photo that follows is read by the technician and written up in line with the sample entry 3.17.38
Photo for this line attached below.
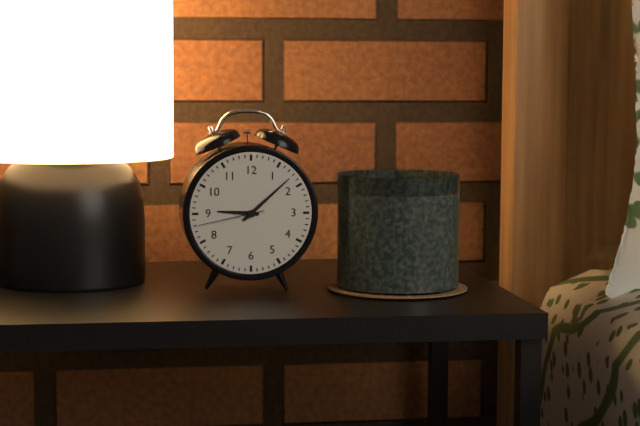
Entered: 9.08.43
